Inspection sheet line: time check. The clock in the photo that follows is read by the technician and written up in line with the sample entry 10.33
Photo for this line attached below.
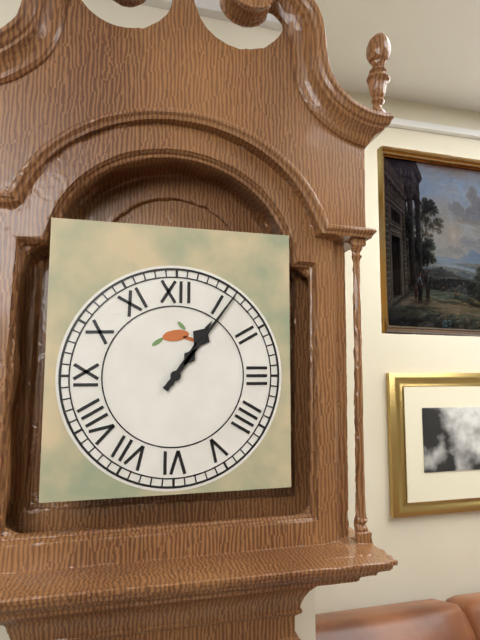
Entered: 1.06
